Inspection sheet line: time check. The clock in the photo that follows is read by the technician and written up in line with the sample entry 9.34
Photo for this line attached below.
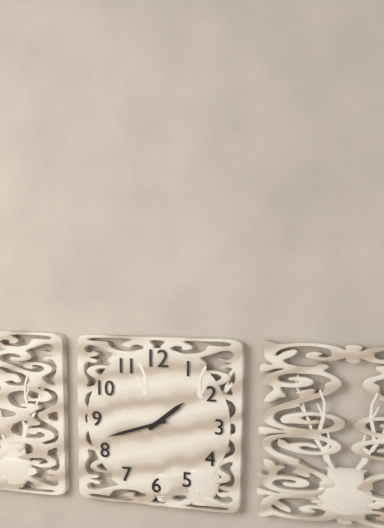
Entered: 1.42
